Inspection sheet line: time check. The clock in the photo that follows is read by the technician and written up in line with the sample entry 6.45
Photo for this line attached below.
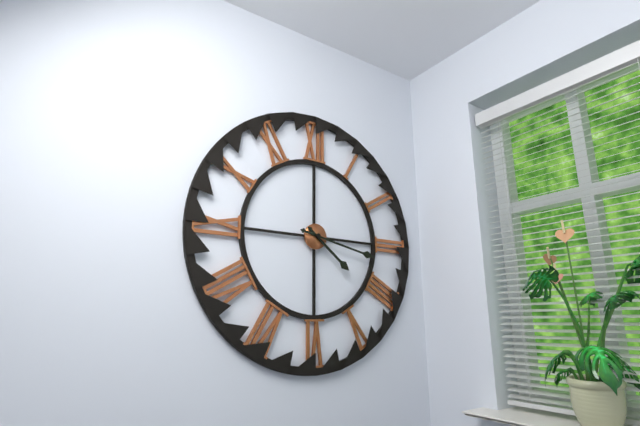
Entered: 4.17
